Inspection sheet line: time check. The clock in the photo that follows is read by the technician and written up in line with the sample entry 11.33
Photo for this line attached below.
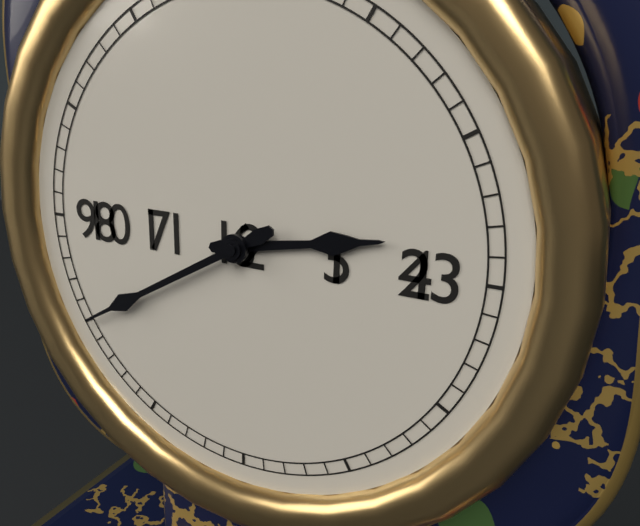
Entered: 2.40
